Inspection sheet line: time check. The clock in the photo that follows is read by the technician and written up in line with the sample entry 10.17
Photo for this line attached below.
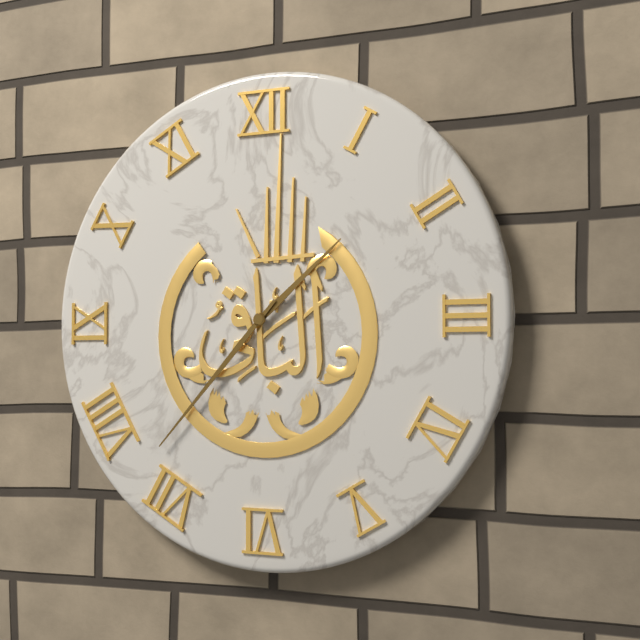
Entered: 1.37
